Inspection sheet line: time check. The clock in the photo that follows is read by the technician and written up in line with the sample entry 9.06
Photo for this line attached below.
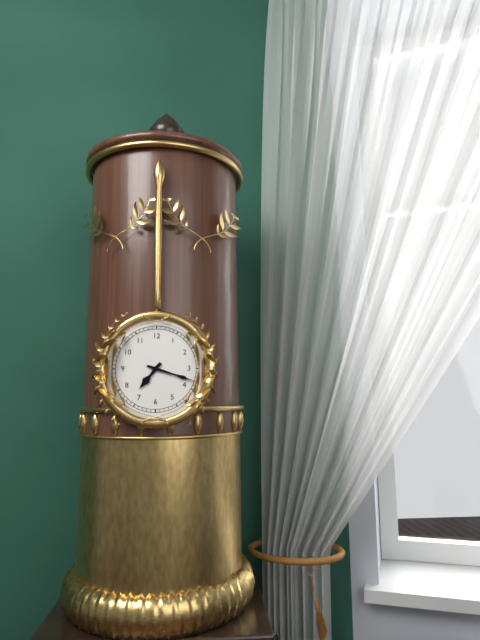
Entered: 7.18
